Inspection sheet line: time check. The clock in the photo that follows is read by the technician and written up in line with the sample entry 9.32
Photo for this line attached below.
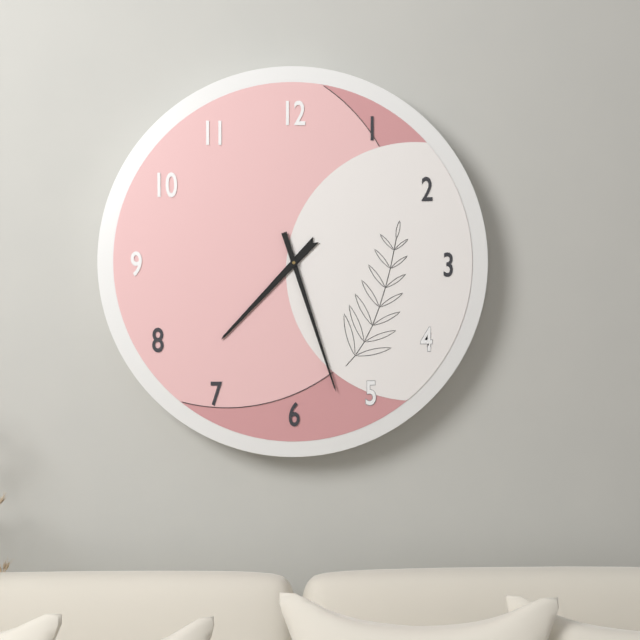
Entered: 7.27
